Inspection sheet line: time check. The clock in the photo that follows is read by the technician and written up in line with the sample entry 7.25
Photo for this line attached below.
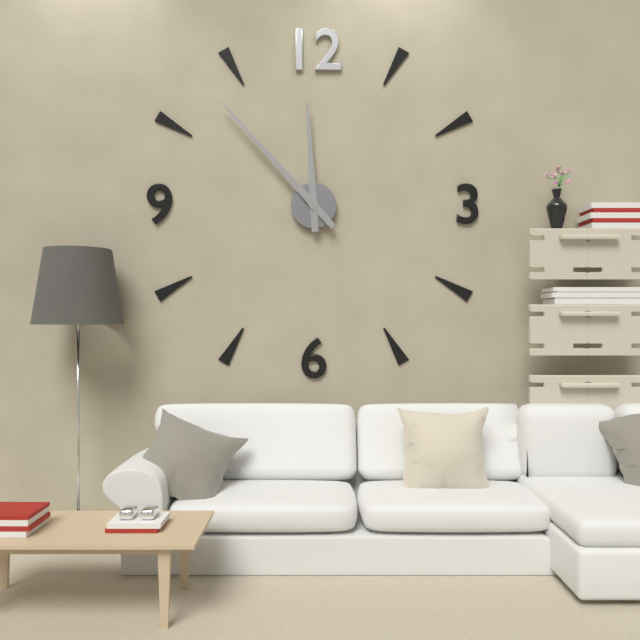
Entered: 11.53
